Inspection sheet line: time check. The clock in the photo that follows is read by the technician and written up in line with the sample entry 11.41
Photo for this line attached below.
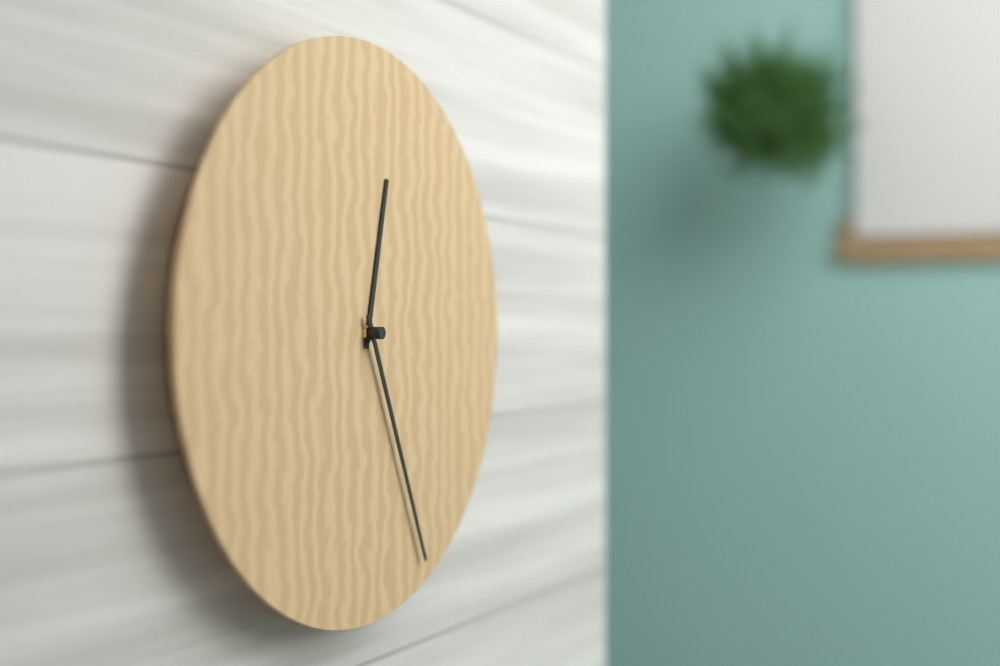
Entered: 12.26
